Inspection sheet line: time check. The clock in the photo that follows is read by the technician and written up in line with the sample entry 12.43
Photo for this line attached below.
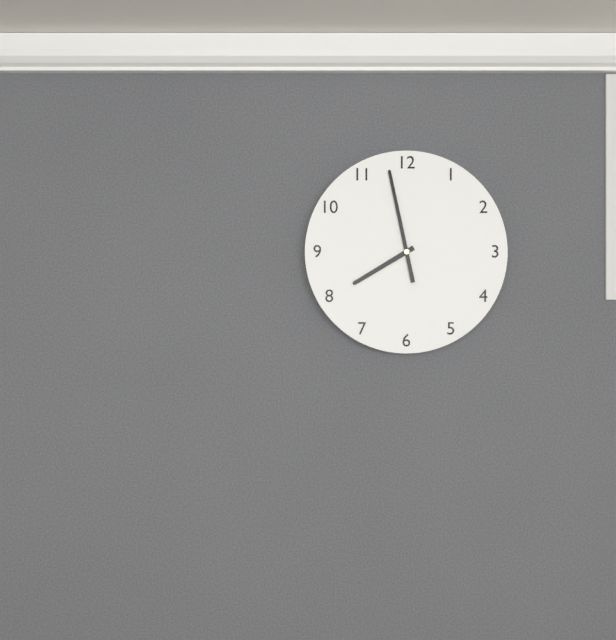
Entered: 7.58
